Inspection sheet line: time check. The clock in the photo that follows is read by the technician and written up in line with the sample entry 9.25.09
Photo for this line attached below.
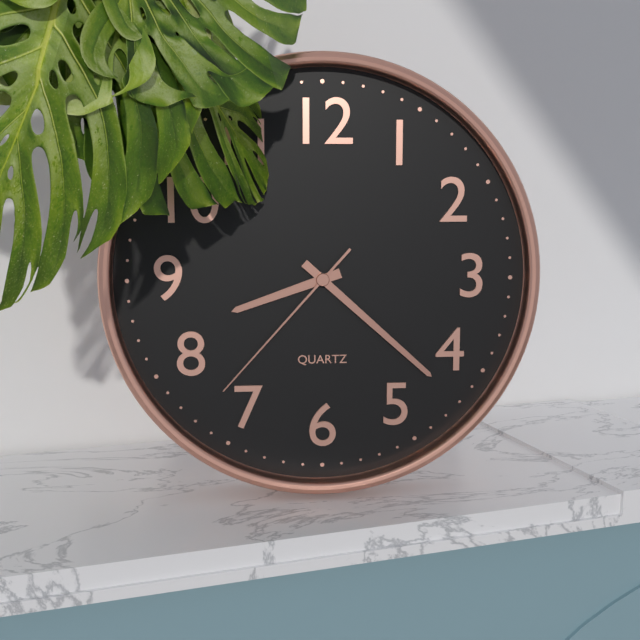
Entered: 8.22.37
